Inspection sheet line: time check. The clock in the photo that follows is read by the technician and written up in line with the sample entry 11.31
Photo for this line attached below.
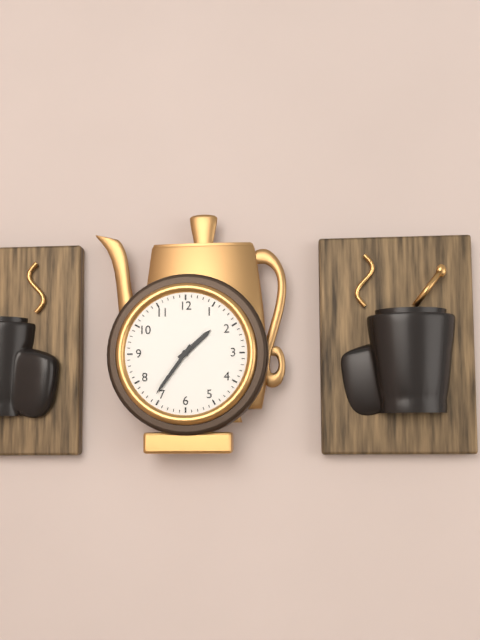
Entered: 1.36
